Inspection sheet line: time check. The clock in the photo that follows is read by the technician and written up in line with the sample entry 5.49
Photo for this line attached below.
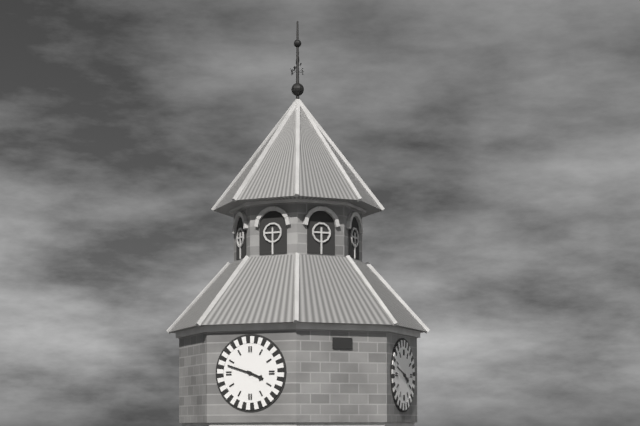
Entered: 3.48
